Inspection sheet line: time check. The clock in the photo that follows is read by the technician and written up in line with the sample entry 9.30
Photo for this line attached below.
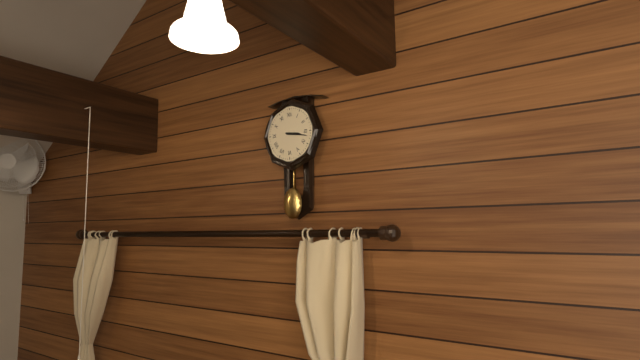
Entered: 3.17
